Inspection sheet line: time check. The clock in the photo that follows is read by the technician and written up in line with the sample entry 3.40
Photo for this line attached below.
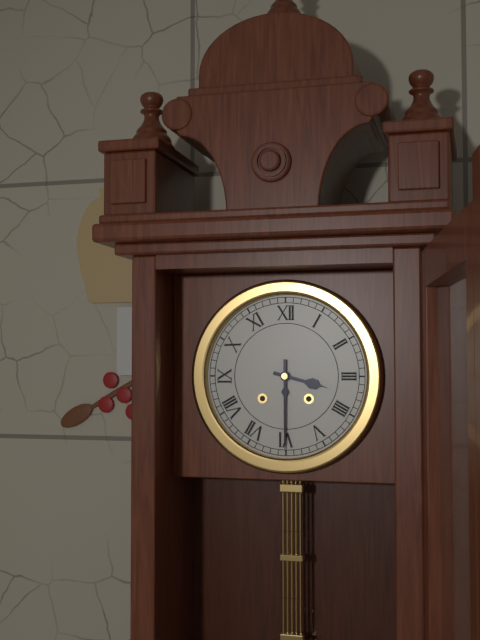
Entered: 3.30
